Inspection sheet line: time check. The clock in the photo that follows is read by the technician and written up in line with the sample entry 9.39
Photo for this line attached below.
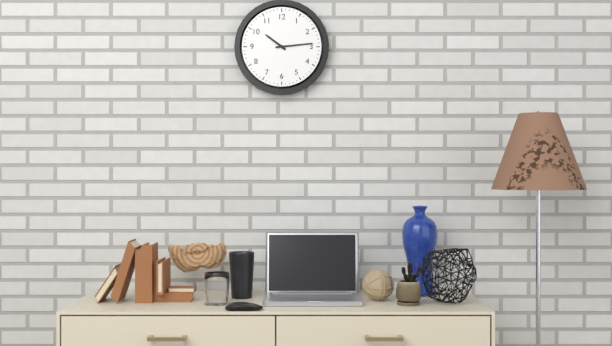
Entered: 10.14
